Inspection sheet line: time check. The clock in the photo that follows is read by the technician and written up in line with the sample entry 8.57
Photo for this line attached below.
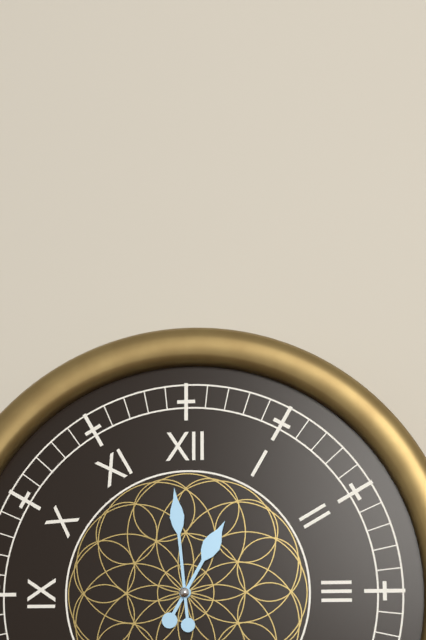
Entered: 12.59
